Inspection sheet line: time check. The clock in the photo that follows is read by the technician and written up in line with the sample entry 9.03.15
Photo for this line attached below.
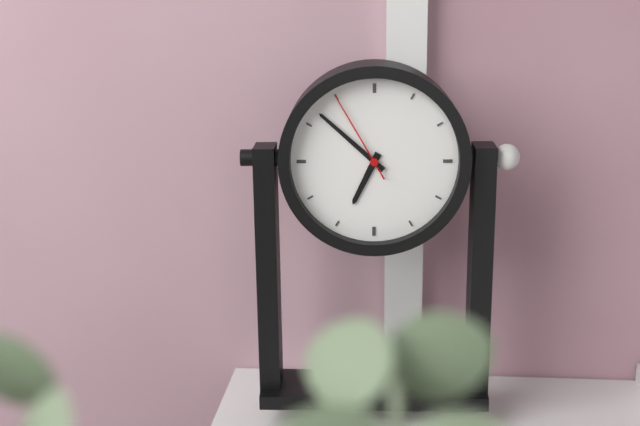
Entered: 6.52.55
